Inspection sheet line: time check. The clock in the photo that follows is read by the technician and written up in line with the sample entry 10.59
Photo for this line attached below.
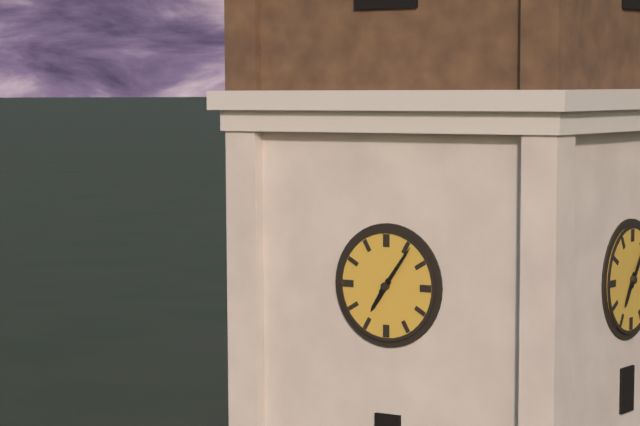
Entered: 7.06
